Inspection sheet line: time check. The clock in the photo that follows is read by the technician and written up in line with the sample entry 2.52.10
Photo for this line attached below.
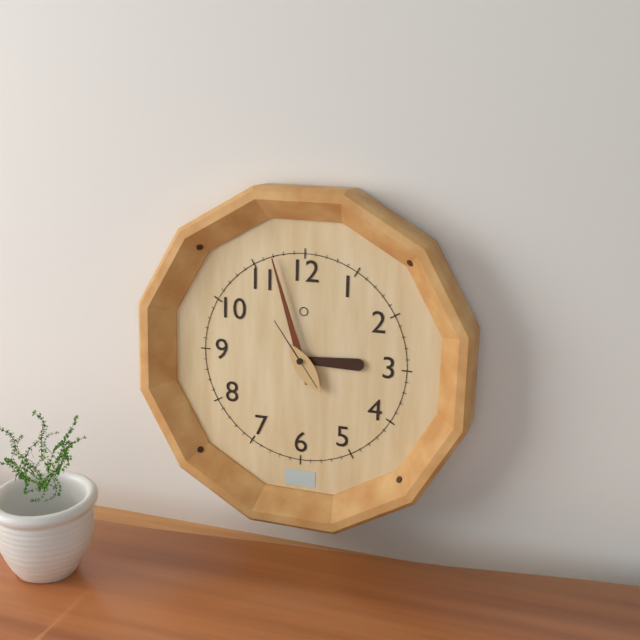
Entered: 2.57.54
